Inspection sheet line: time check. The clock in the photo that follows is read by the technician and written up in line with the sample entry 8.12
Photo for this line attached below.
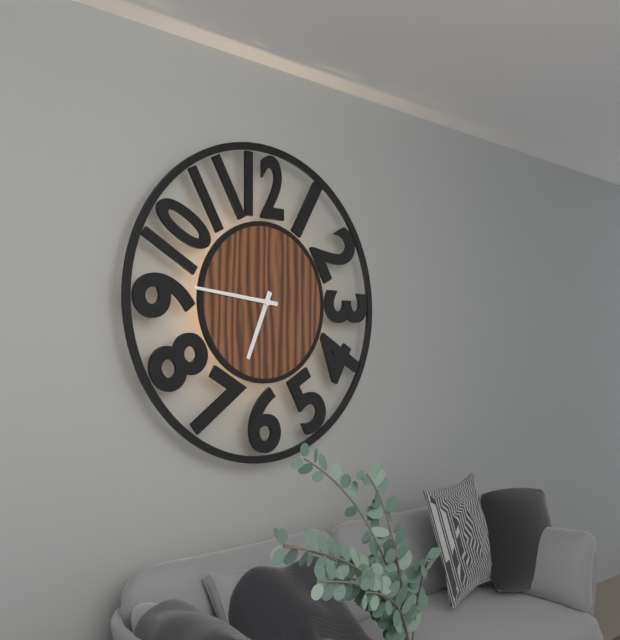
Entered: 6.46
